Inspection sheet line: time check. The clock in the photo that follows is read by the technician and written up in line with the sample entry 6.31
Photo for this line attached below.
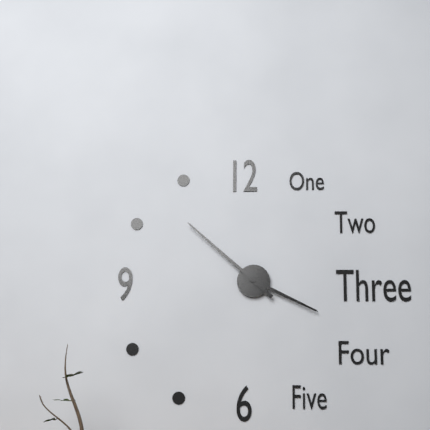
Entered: 3.52
